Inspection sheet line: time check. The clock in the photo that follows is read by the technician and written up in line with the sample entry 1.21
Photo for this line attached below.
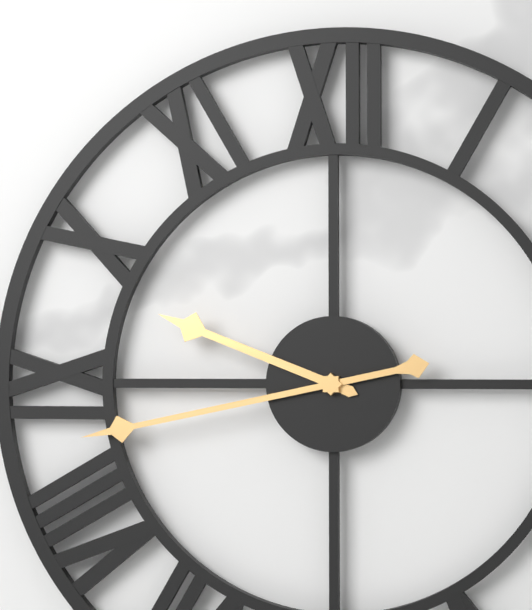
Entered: 9.43
